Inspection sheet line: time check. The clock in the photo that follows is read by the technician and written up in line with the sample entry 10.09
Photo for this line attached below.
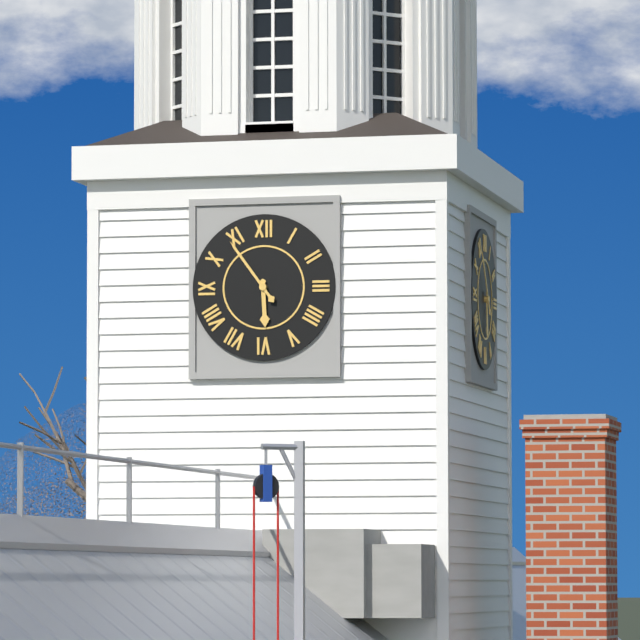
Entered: 5.54
